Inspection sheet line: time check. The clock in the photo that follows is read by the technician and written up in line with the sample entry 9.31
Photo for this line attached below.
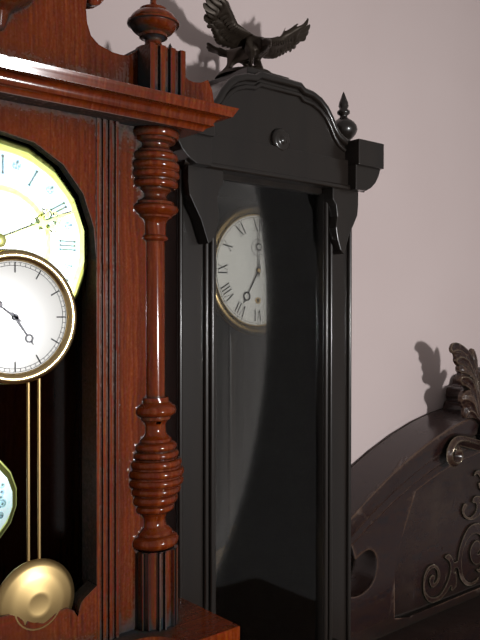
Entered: 7.00
